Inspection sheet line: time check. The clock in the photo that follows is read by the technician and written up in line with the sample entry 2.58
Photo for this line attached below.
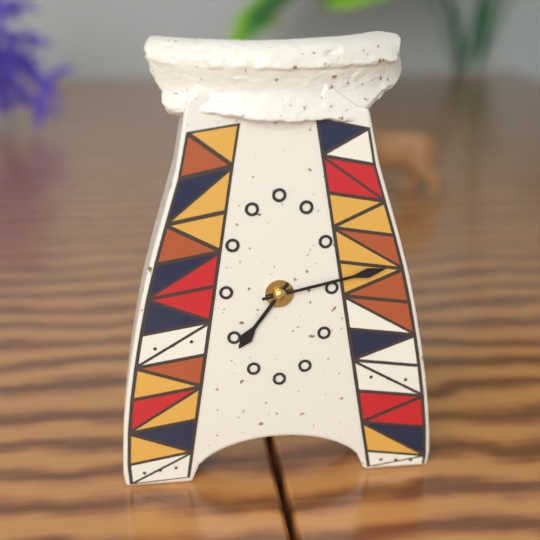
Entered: 7.13
